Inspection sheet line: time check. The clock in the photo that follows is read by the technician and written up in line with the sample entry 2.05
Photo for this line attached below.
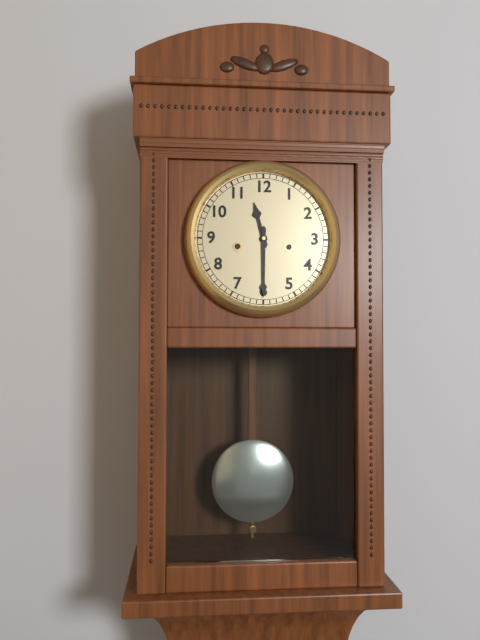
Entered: 11.30
